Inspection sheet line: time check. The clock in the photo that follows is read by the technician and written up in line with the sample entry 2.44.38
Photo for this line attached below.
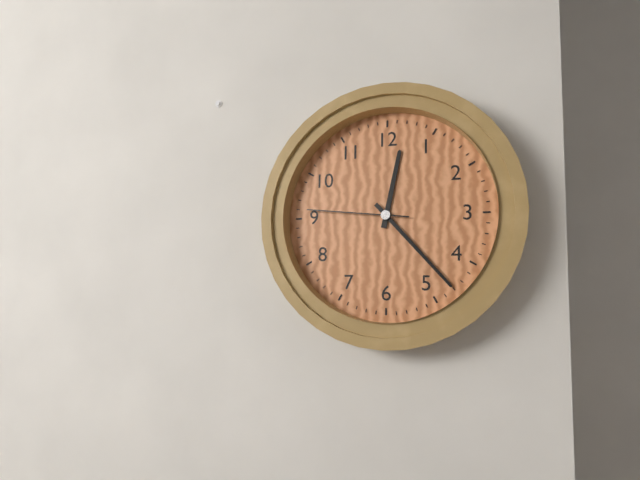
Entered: 12.23.46
